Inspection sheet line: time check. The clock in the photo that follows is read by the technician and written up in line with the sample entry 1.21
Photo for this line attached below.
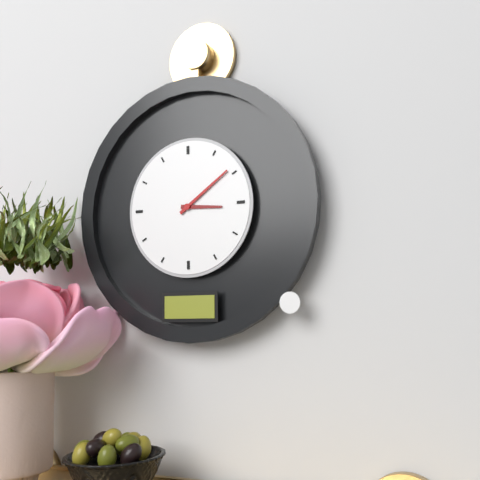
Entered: 3.09
